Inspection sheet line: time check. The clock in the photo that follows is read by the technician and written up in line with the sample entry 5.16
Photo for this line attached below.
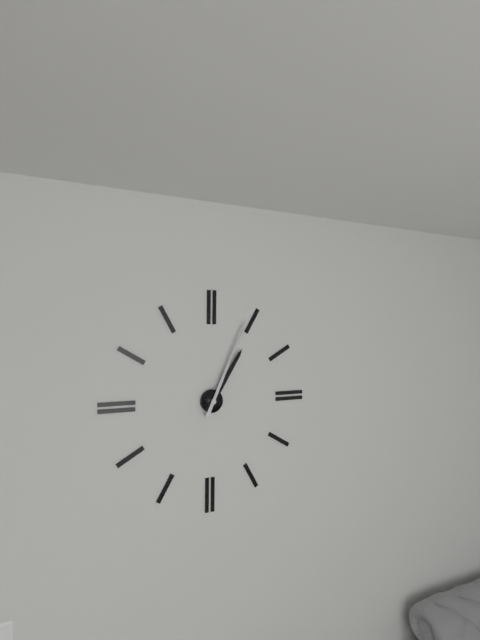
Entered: 1.04
